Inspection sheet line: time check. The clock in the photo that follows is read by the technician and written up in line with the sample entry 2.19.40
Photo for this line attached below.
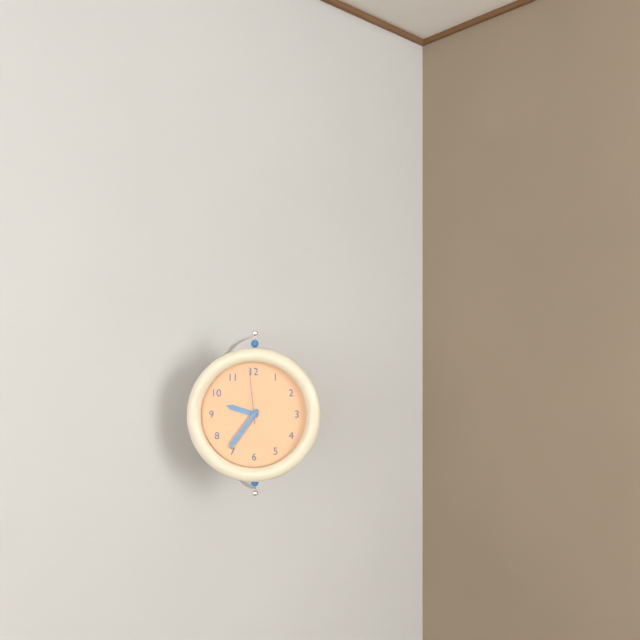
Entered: 9.36.59
